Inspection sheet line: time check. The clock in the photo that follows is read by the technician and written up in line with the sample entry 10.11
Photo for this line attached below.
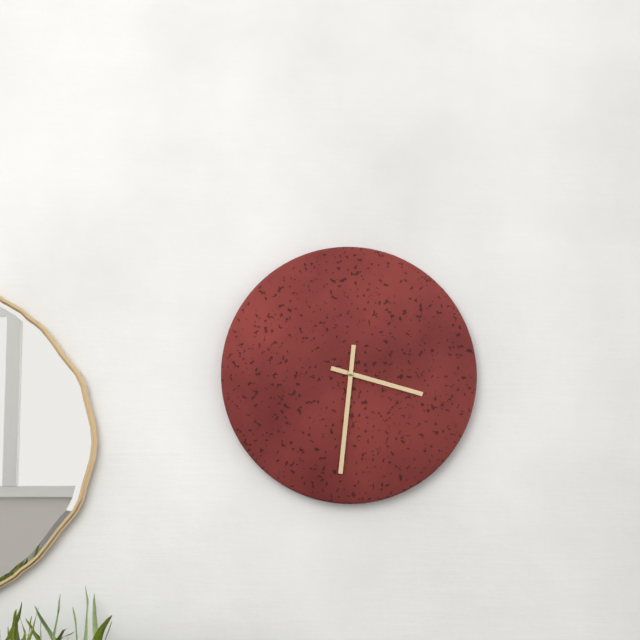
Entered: 3.31
